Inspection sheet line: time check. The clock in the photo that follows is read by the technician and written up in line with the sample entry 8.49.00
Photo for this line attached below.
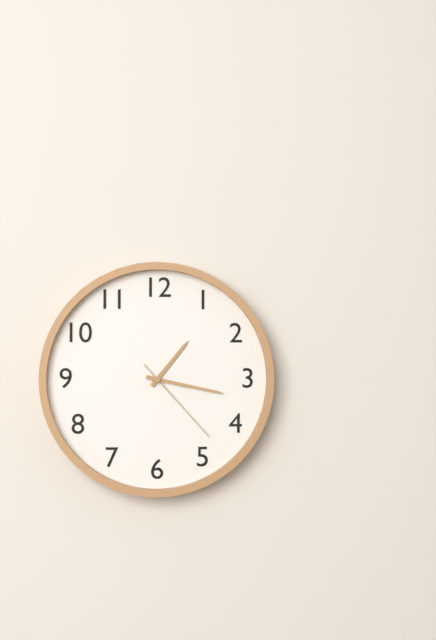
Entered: 1.17.23
